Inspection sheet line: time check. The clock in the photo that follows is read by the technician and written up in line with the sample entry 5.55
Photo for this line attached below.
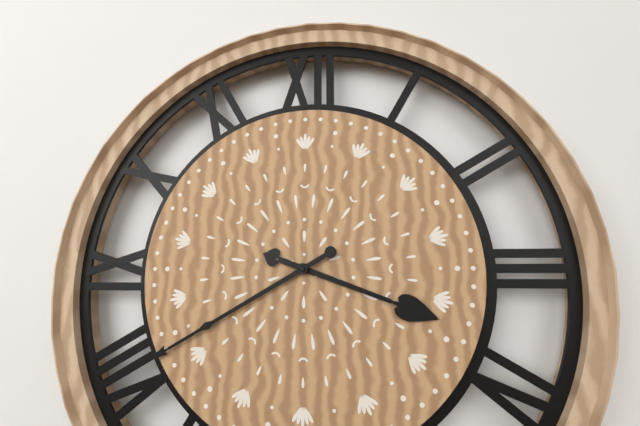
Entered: 3.40
